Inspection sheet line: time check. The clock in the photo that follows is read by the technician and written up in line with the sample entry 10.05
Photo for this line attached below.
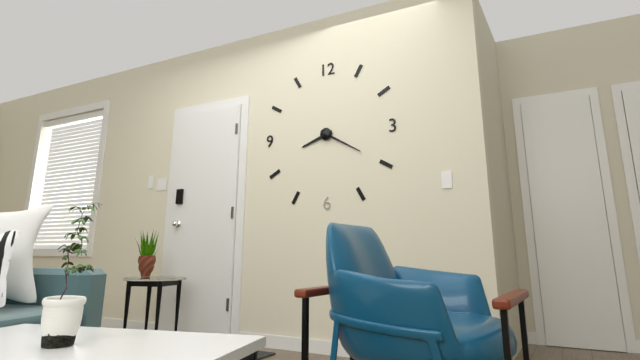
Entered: 8.20
